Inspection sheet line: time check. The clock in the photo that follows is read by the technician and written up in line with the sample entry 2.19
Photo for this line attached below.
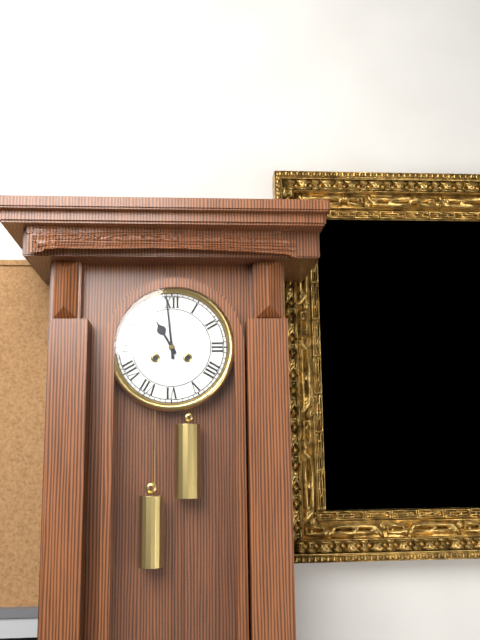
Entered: 10.59
